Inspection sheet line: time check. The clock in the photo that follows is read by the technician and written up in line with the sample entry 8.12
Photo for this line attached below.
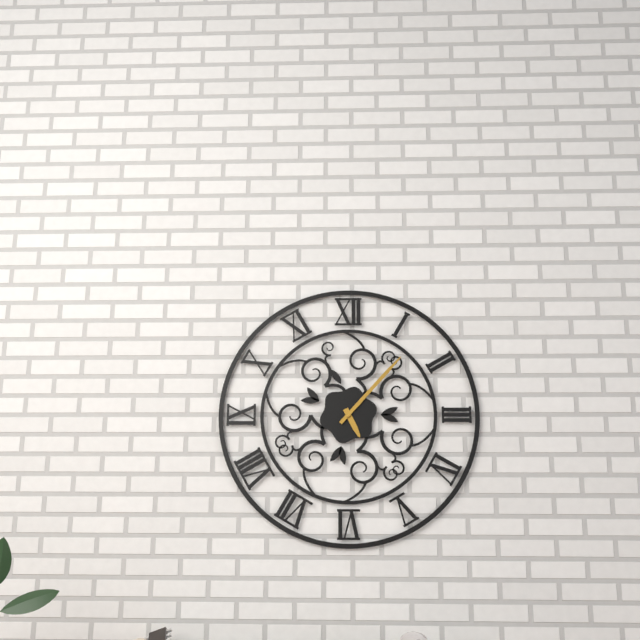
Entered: 5.07
